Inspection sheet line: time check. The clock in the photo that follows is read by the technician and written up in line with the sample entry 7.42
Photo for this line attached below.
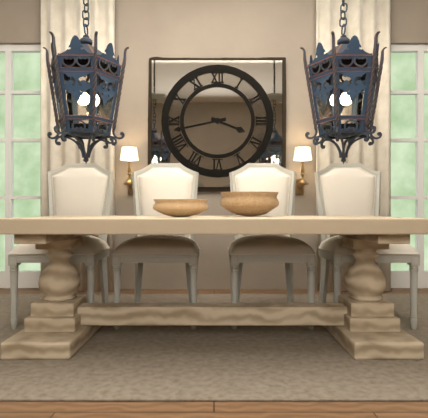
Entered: 3.43
